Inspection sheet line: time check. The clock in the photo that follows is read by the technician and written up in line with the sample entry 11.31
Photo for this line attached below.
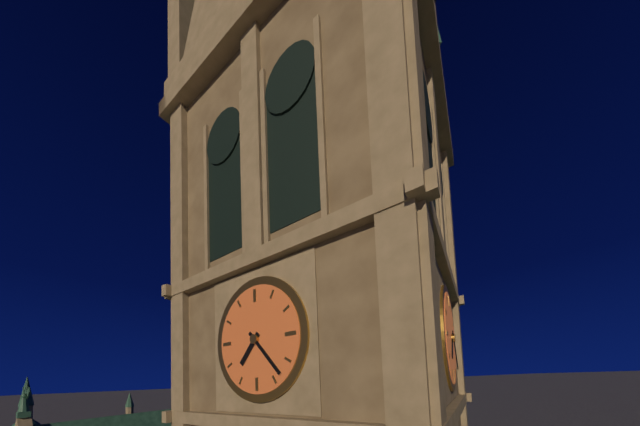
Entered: 7.23
